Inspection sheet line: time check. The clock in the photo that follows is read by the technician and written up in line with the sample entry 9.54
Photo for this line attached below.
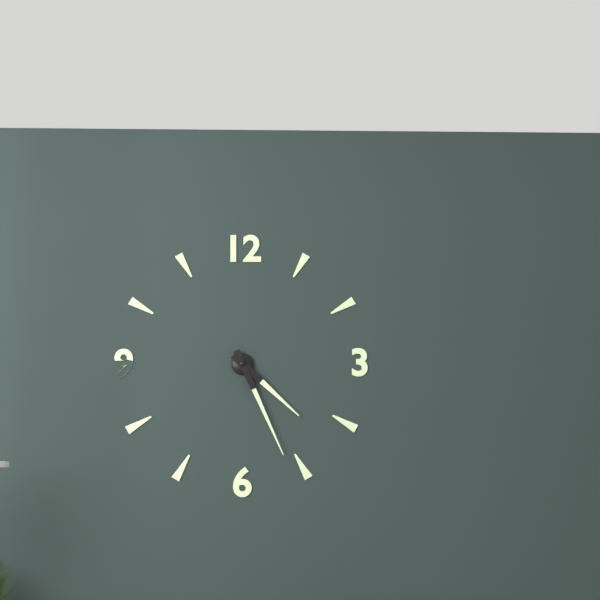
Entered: 4.26
